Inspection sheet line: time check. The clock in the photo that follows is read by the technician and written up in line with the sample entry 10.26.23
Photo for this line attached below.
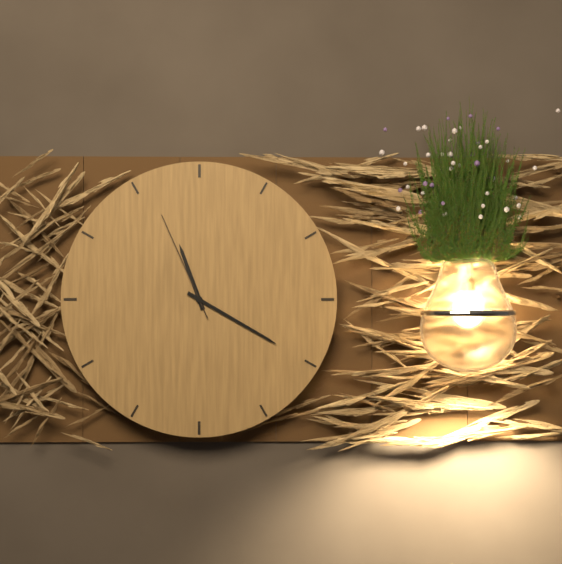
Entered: 11.20.56
